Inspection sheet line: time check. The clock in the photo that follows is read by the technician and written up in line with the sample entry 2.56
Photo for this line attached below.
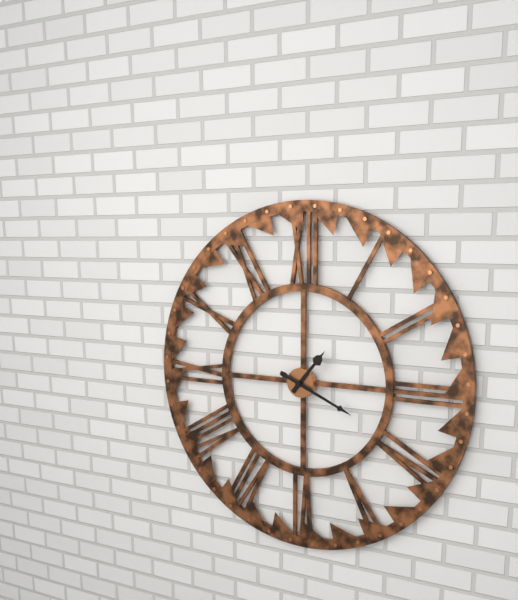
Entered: 1.19
